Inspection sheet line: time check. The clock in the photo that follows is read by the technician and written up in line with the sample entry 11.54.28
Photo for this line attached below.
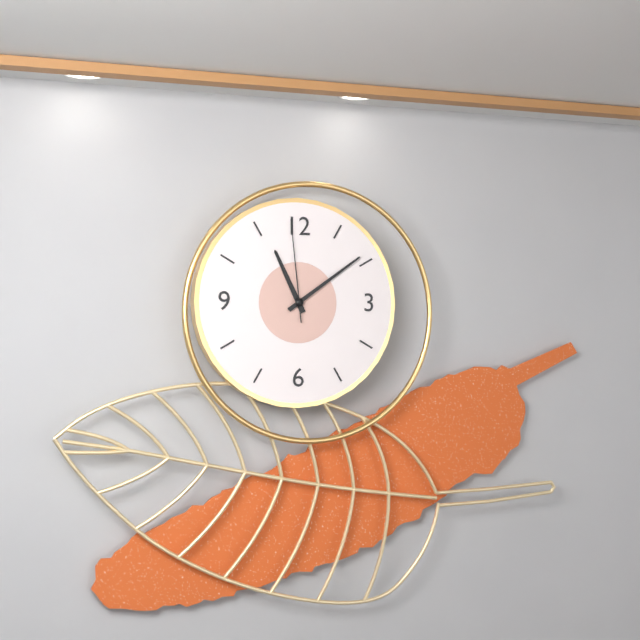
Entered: 11.09.59
